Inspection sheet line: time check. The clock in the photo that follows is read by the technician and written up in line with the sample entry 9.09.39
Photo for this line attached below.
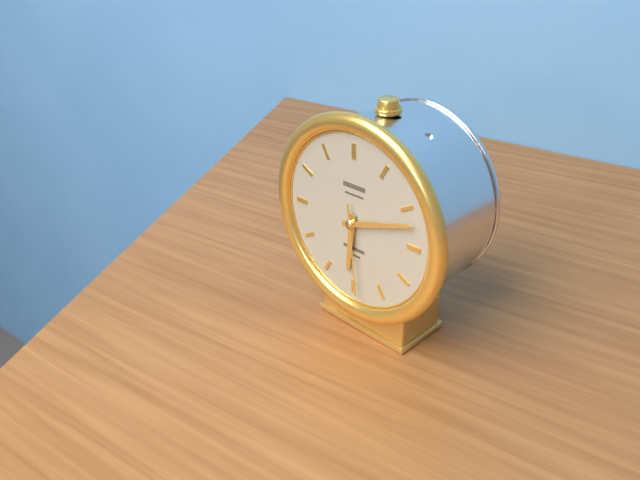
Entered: 6.12.29
